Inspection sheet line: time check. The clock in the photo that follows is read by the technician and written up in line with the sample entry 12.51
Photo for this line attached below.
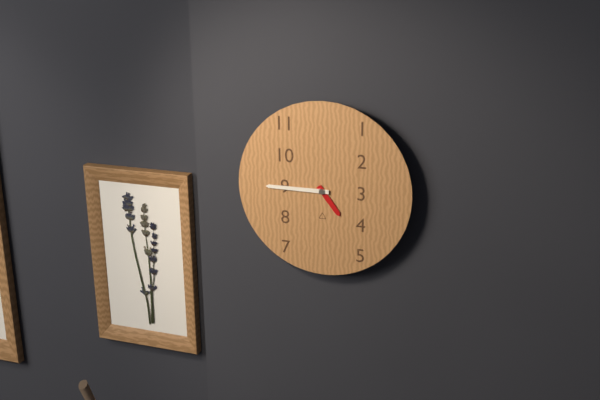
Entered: 4.45
